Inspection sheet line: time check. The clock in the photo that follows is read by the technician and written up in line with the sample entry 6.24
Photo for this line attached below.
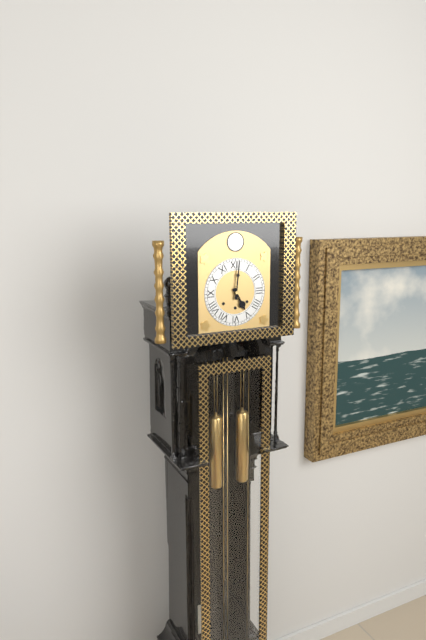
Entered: 5.01
